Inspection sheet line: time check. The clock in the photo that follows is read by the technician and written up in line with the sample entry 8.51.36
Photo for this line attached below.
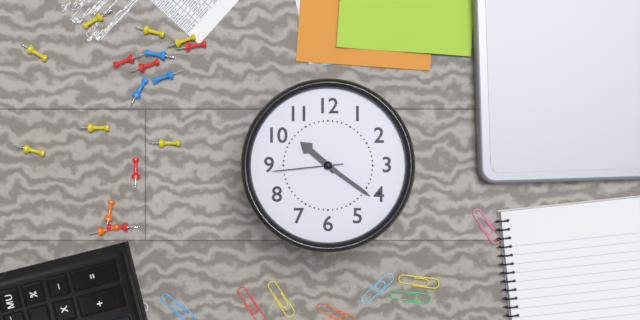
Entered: 10.21.44
